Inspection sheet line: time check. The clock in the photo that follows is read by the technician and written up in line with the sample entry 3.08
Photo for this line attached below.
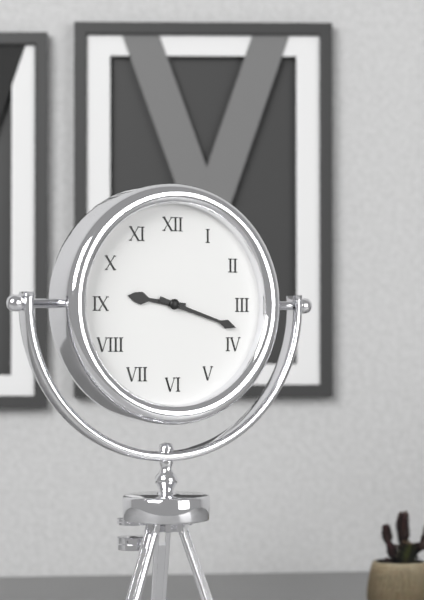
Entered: 9.18
